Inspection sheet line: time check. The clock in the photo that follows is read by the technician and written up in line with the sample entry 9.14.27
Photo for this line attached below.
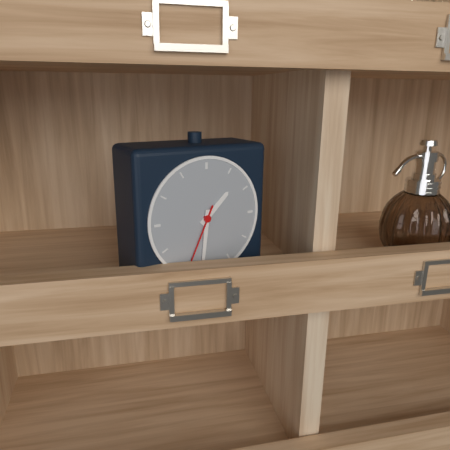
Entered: 1.31.34
